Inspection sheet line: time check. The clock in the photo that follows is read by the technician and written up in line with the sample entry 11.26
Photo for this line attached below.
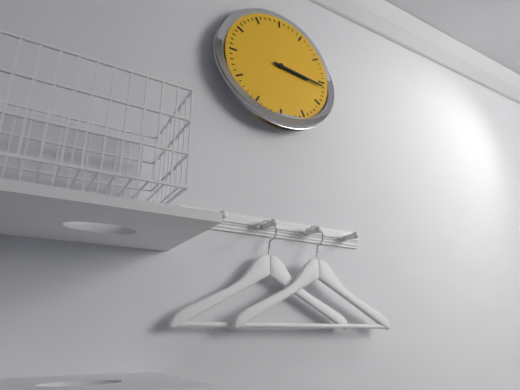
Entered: 3.16
